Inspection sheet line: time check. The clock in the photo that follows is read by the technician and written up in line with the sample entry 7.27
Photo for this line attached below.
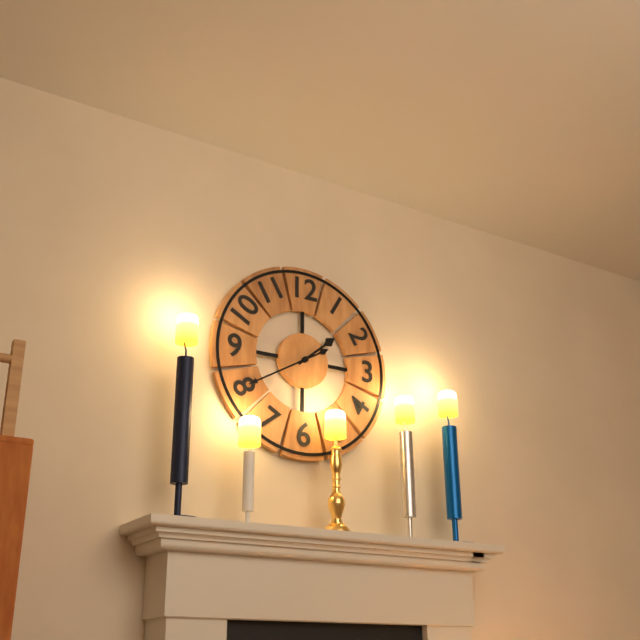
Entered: 1.40
